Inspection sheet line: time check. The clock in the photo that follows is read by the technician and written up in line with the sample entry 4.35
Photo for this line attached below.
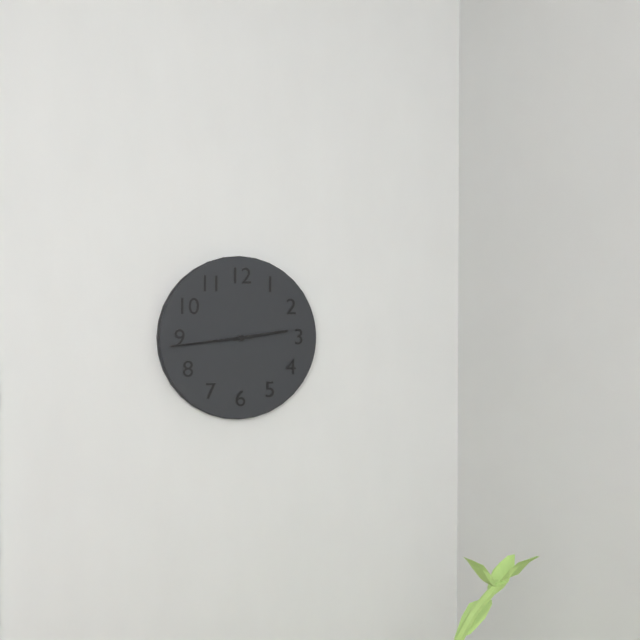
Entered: 2.44
